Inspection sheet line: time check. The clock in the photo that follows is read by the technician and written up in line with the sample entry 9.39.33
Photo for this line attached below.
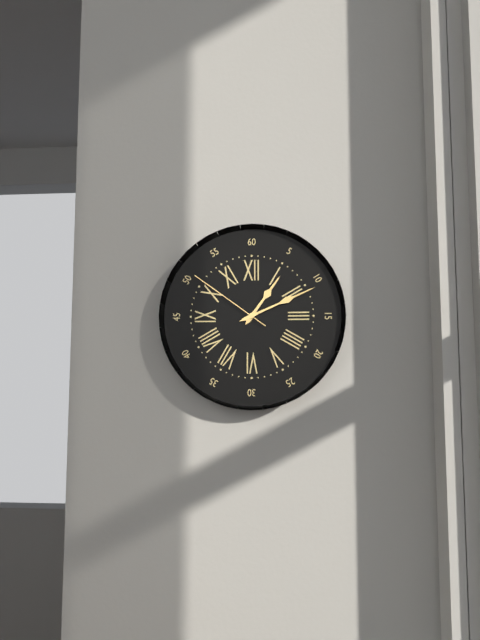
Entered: 1.11.51
